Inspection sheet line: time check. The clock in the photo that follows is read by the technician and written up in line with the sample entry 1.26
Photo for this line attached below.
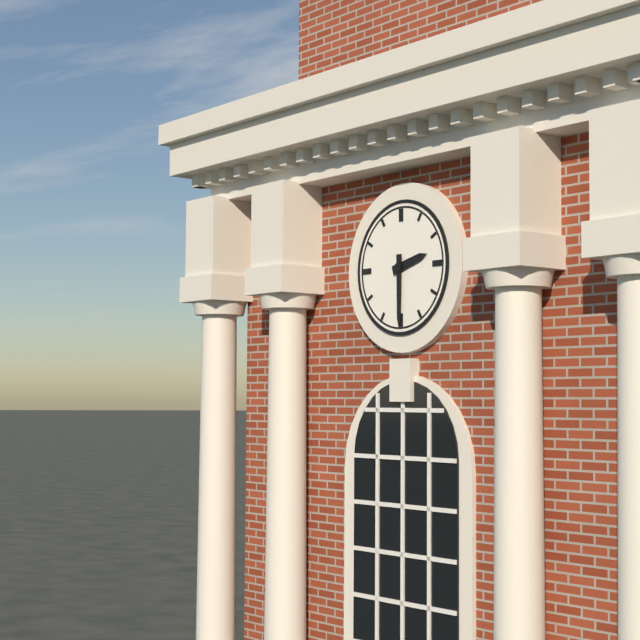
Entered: 2.30
